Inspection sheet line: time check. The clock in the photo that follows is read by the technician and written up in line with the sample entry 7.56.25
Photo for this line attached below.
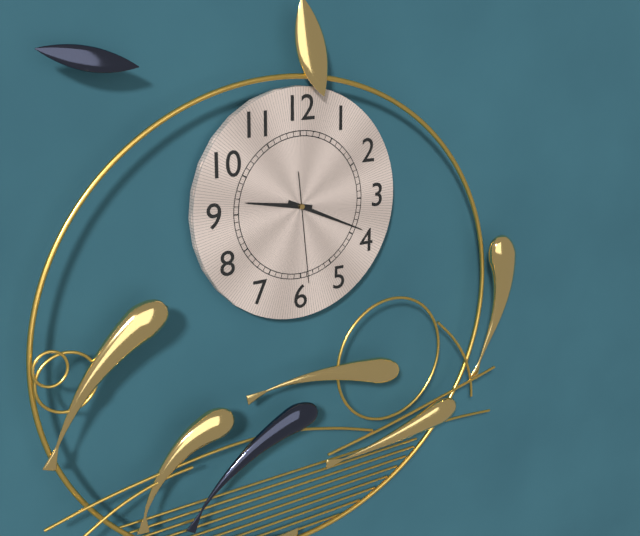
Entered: 9.19.29
